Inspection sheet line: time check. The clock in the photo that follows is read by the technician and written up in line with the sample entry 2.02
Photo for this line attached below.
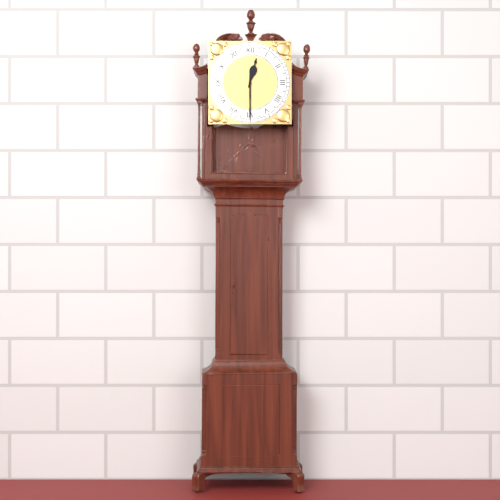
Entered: 12.30
